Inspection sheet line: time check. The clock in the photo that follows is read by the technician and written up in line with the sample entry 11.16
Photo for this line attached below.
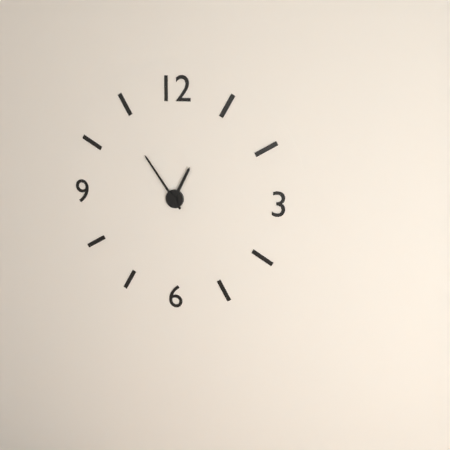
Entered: 12.54
